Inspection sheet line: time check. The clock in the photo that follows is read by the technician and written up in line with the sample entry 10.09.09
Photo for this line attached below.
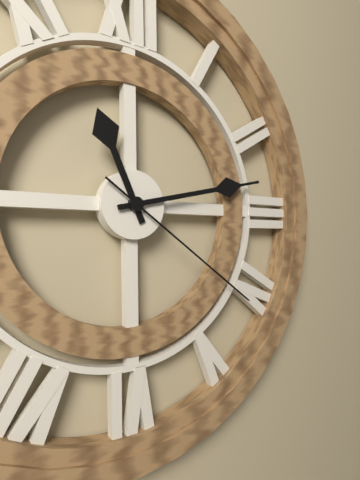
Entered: 11.13.21
